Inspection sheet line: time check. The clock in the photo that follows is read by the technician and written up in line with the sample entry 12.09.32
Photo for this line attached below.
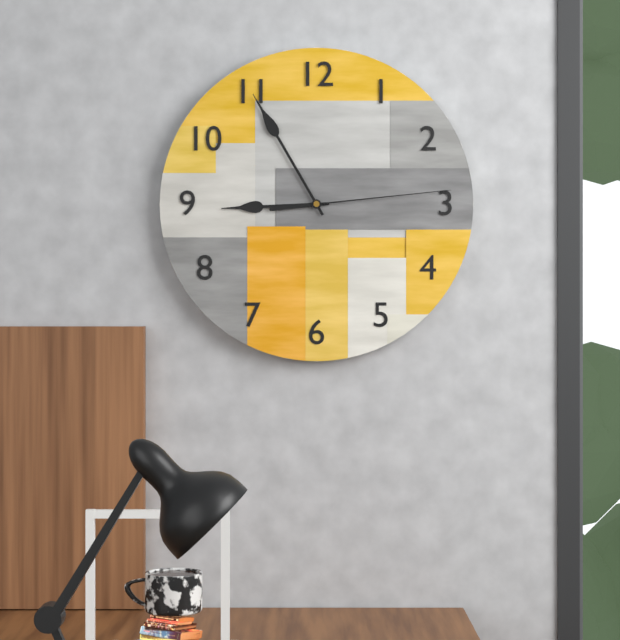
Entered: 8.55.14
